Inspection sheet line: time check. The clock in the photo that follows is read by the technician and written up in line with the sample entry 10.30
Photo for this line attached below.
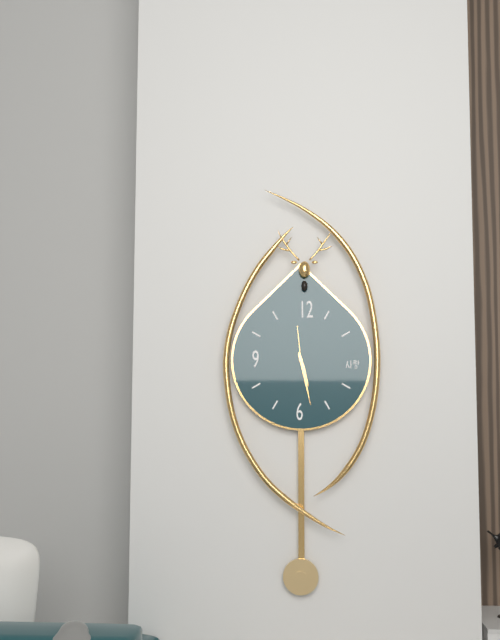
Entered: 5.28
